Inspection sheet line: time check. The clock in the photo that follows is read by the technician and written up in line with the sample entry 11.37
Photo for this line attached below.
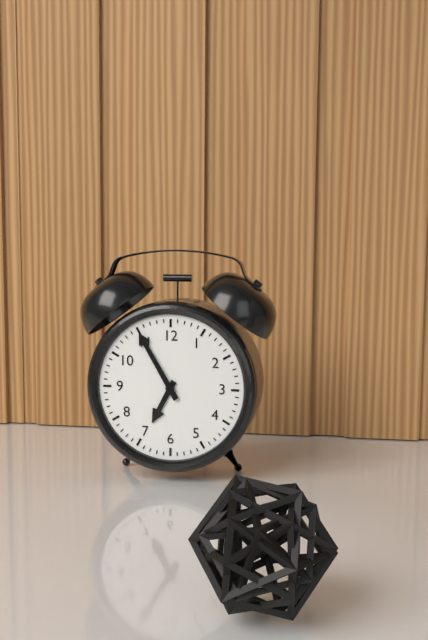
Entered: 6.55
